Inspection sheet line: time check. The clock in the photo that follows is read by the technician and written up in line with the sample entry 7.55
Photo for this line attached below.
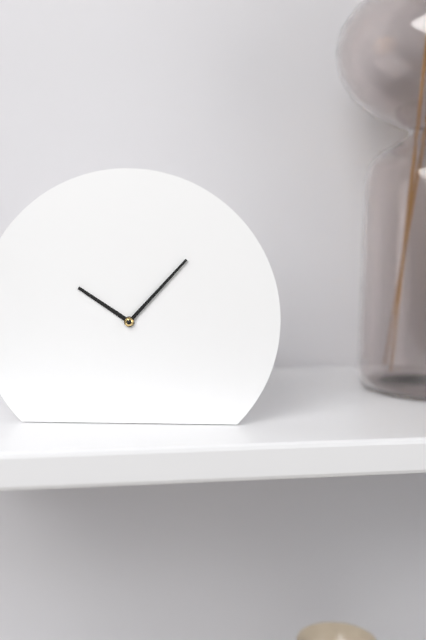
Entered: 10.07
